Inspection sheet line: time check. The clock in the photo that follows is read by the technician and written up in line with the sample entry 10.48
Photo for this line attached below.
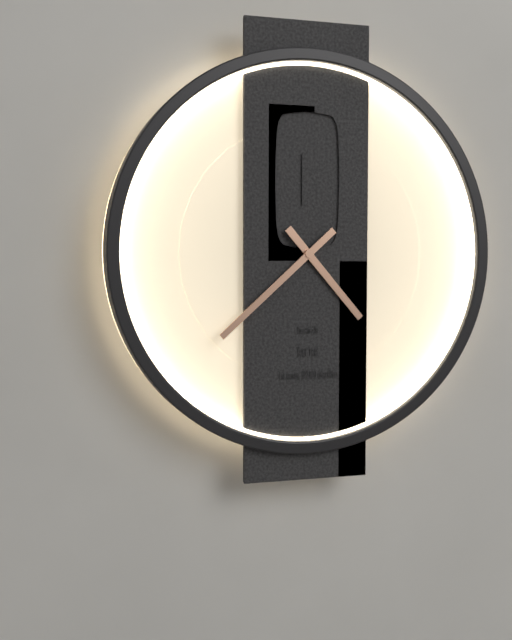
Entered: 4.38
